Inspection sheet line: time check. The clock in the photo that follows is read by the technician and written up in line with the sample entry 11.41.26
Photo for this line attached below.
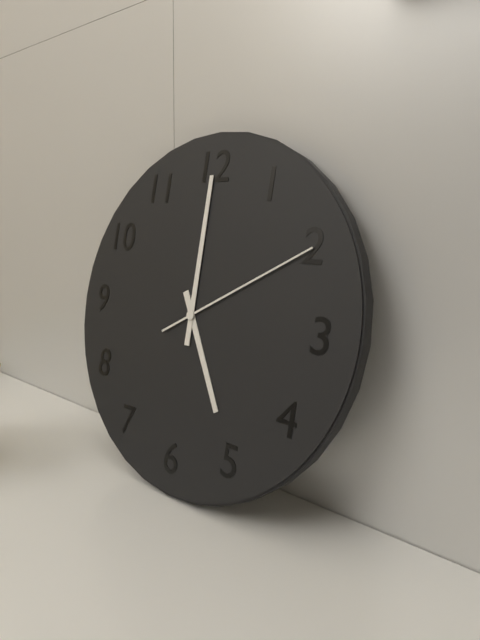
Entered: 5.00.10
